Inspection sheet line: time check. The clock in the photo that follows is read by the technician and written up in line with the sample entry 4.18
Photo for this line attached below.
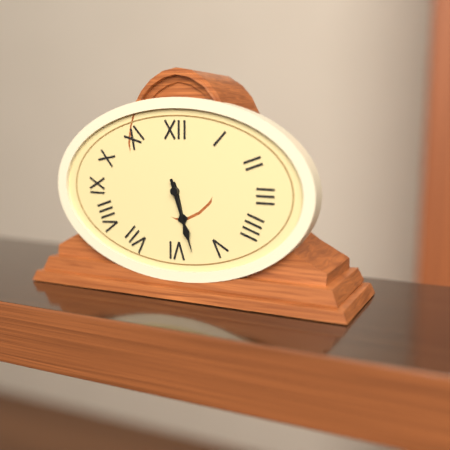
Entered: 5.27
